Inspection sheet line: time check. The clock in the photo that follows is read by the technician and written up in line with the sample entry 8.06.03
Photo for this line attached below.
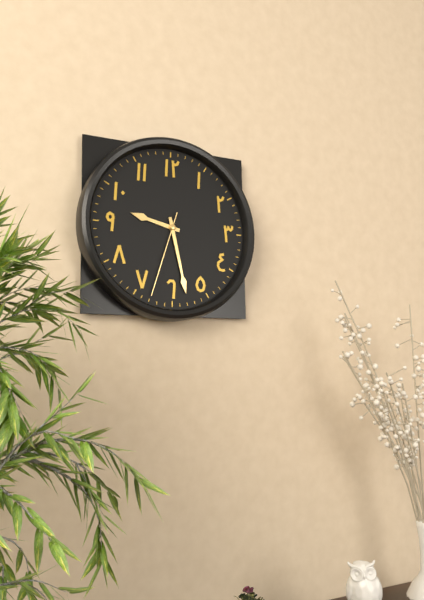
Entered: 9.28.33
